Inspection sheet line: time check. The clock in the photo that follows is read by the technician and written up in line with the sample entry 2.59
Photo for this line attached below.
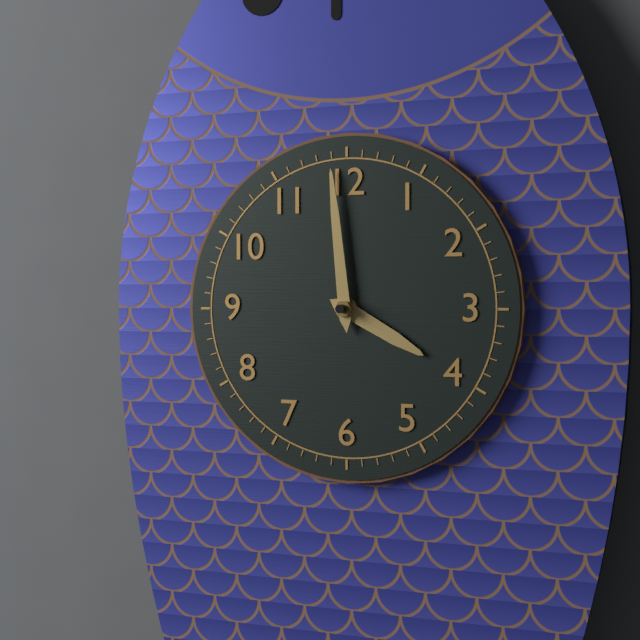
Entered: 3.59
